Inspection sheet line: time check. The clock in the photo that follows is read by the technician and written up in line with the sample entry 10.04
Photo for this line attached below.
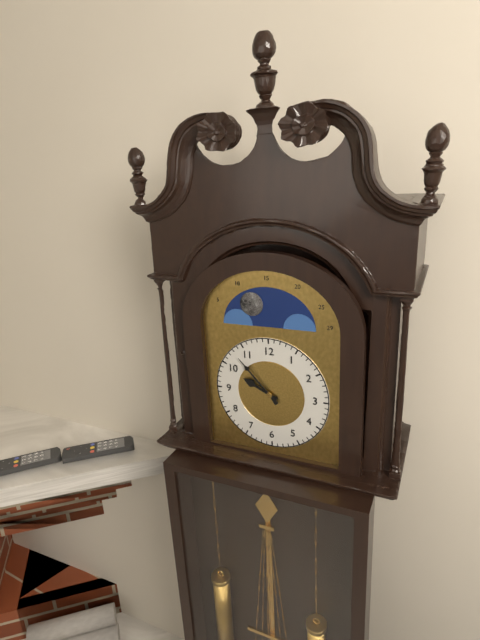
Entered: 9.53
